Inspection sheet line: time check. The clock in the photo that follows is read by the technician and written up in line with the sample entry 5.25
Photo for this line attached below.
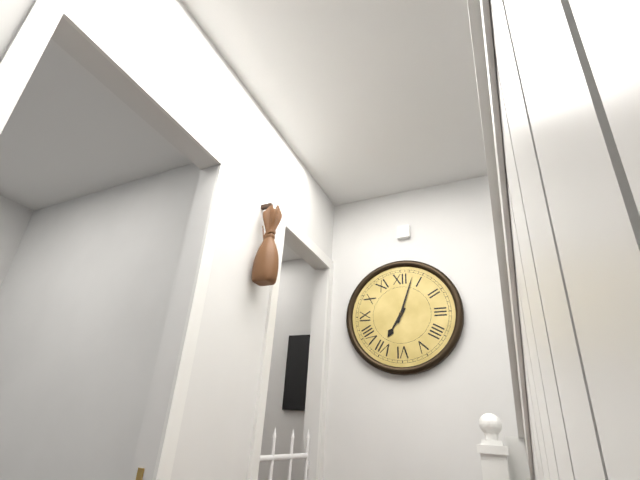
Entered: 7.03
